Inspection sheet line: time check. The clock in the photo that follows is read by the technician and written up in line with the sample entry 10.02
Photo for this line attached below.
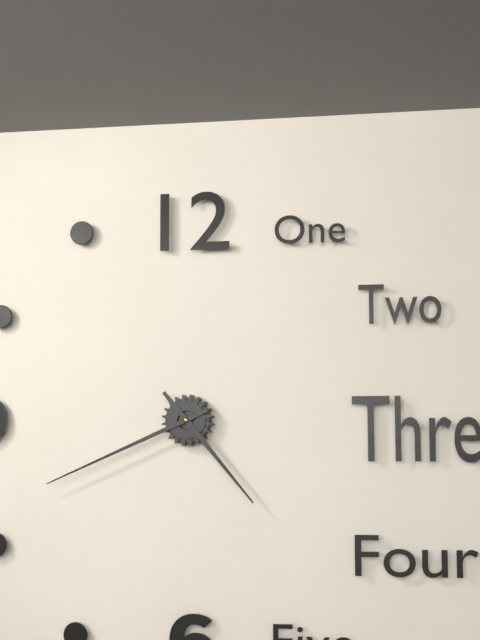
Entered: 4.41
